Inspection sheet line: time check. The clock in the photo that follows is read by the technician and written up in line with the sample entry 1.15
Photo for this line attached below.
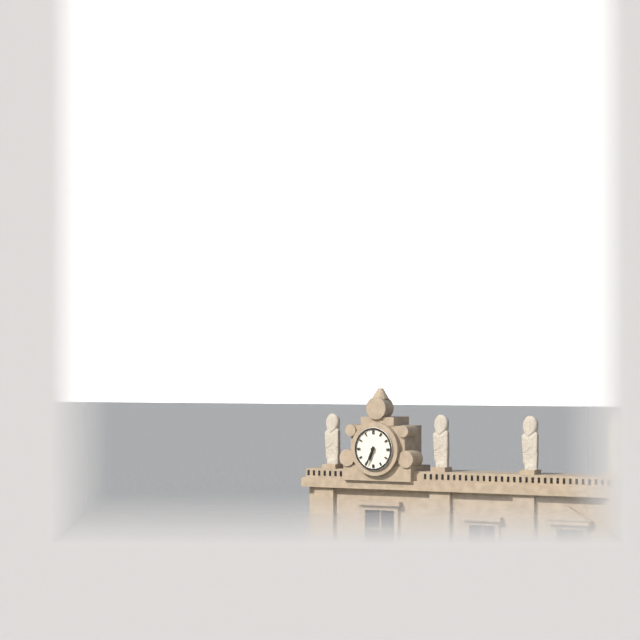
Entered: 6.34
